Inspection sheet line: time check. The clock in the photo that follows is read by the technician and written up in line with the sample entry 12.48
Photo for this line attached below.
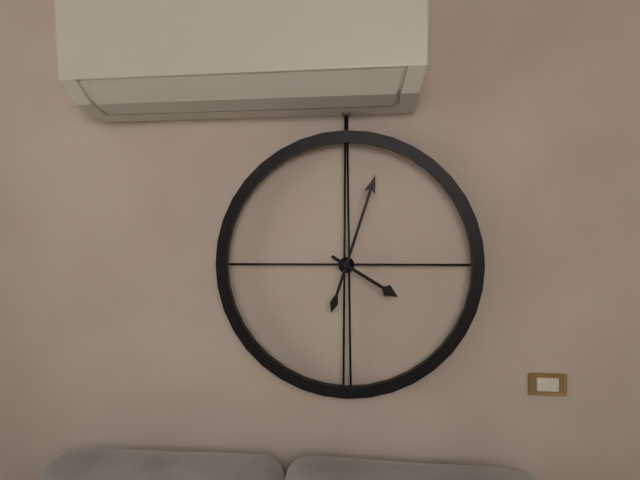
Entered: 4.03
